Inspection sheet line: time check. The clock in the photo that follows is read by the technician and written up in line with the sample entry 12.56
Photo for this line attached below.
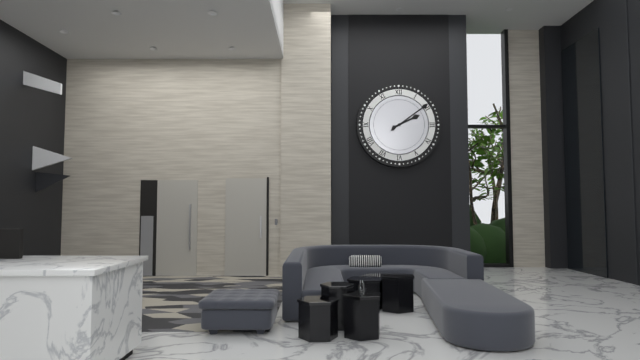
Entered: 2.09
